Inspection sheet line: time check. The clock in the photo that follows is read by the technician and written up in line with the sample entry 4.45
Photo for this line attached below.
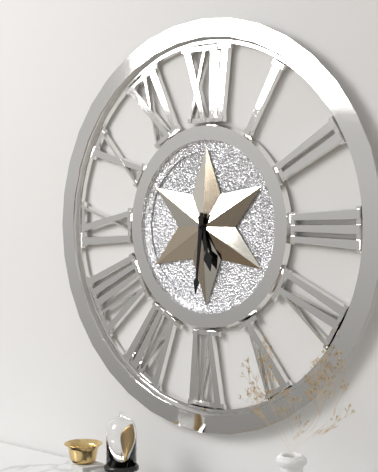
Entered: 5.31
